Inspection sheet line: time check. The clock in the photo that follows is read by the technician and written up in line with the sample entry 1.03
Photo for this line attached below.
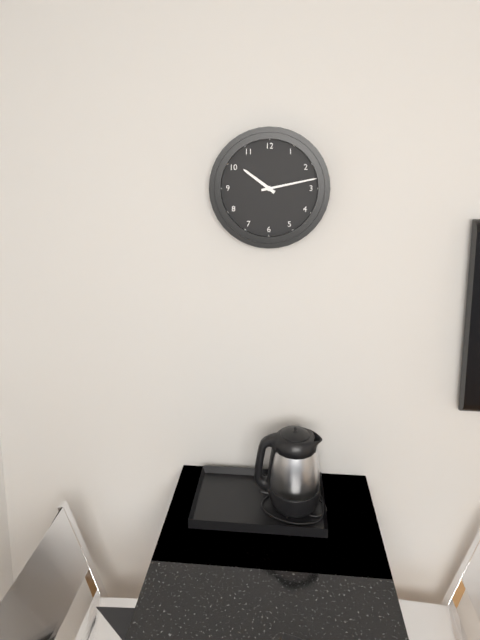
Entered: 10.13
